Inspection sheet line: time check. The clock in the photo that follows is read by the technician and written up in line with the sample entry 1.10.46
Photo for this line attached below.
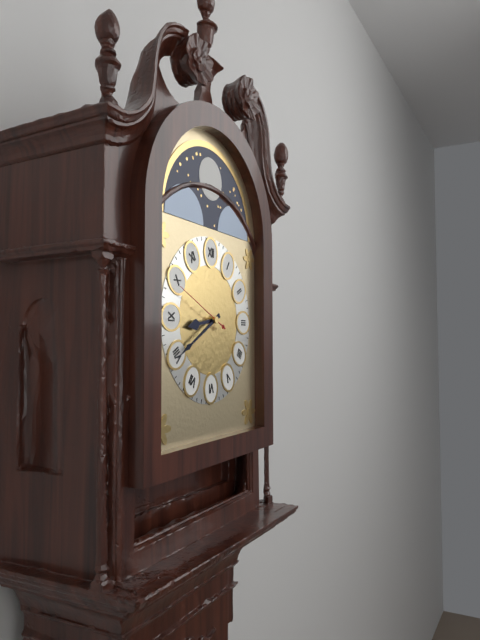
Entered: 8.40.49
